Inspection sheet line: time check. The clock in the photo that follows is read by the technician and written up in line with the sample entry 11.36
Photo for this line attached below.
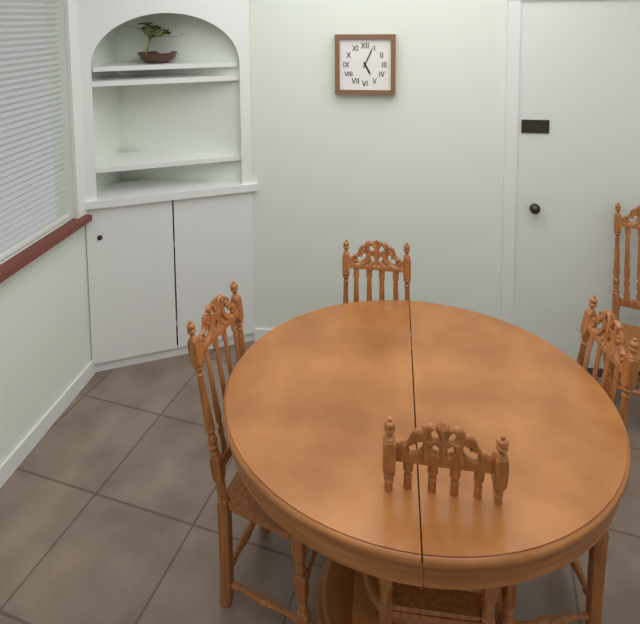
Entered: 5.04
